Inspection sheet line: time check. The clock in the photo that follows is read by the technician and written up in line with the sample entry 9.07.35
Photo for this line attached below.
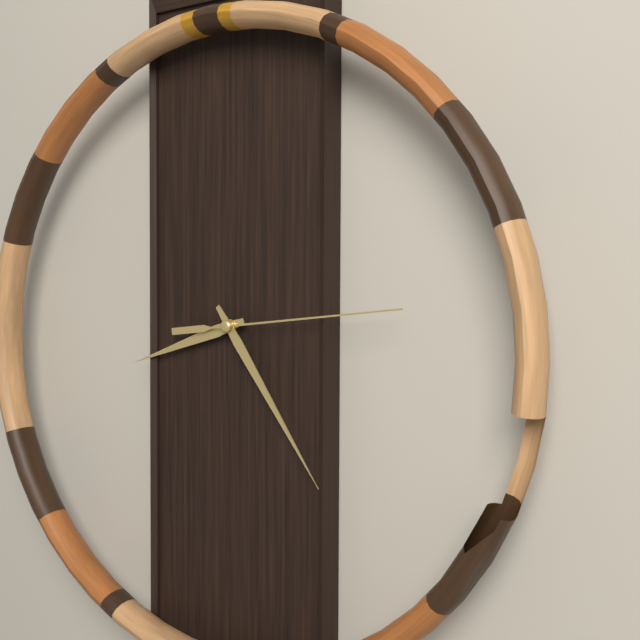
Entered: 8.24.14
